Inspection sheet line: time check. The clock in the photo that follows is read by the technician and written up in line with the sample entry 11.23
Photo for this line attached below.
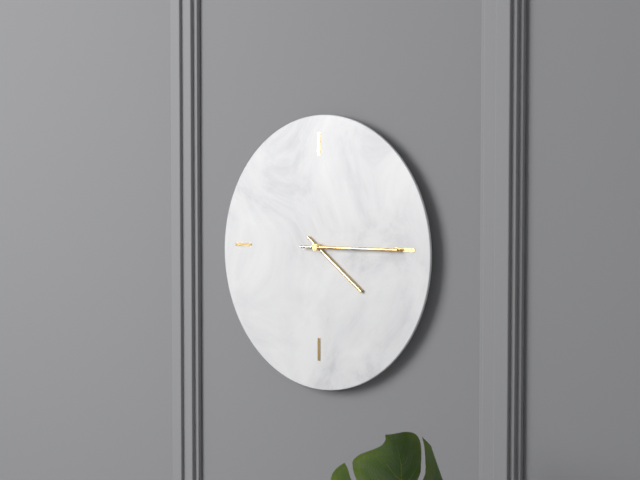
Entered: 4.15
